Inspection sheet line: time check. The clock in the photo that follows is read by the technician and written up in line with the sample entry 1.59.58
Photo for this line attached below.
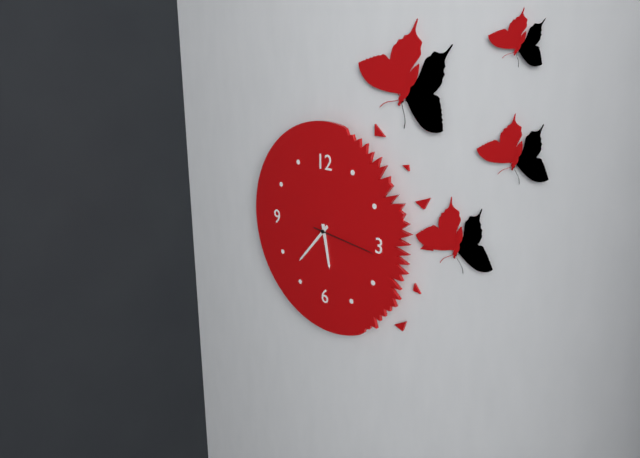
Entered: 5.37.16
